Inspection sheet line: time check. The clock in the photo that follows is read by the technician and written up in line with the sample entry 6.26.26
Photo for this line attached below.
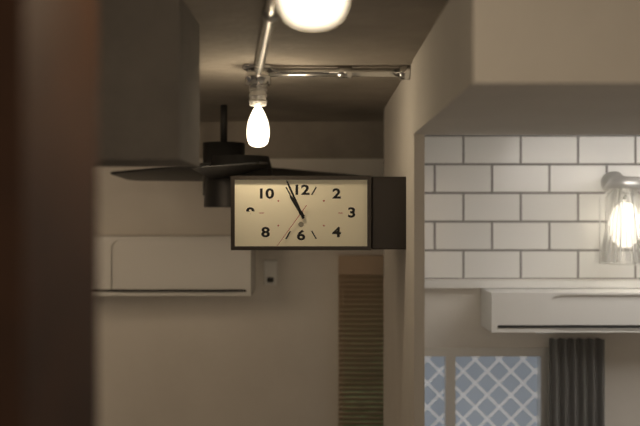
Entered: 10.56.36
